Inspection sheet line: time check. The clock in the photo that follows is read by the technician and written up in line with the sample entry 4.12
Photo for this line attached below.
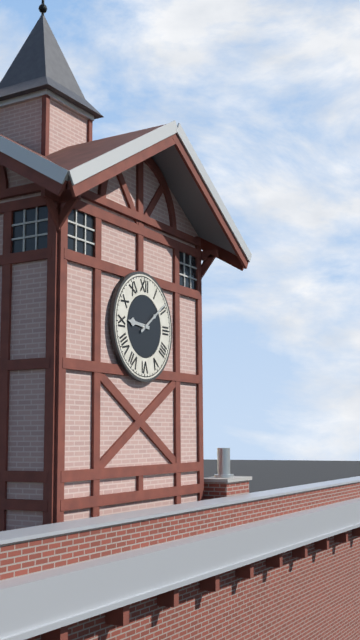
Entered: 9.09
